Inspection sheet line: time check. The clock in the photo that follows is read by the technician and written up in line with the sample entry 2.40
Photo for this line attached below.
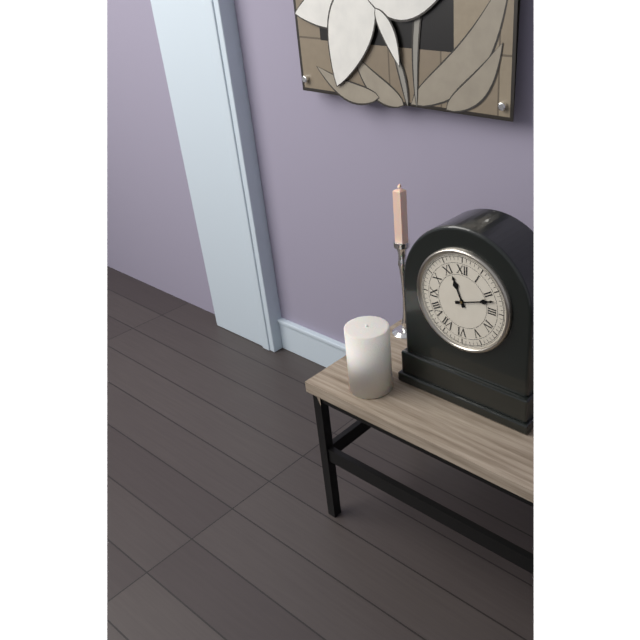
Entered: 11.12
